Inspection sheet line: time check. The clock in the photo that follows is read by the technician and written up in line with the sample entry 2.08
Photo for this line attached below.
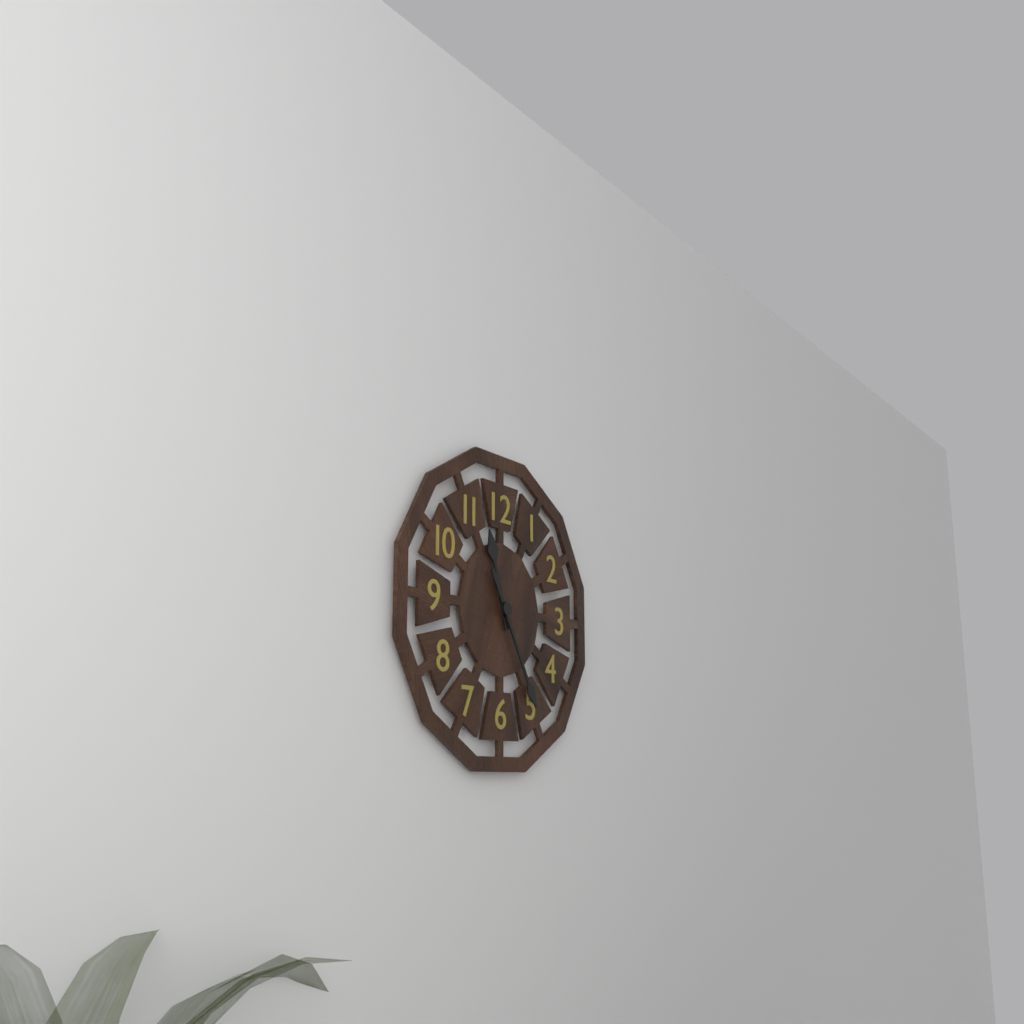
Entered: 11.25
